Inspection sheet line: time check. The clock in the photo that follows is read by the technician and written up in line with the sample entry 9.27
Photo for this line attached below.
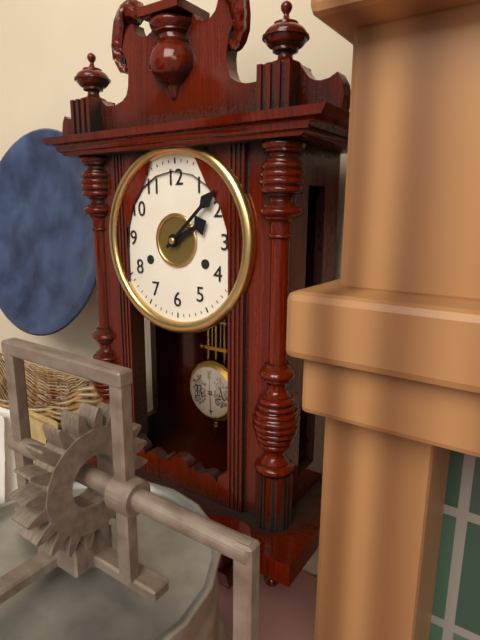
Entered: 2.08
